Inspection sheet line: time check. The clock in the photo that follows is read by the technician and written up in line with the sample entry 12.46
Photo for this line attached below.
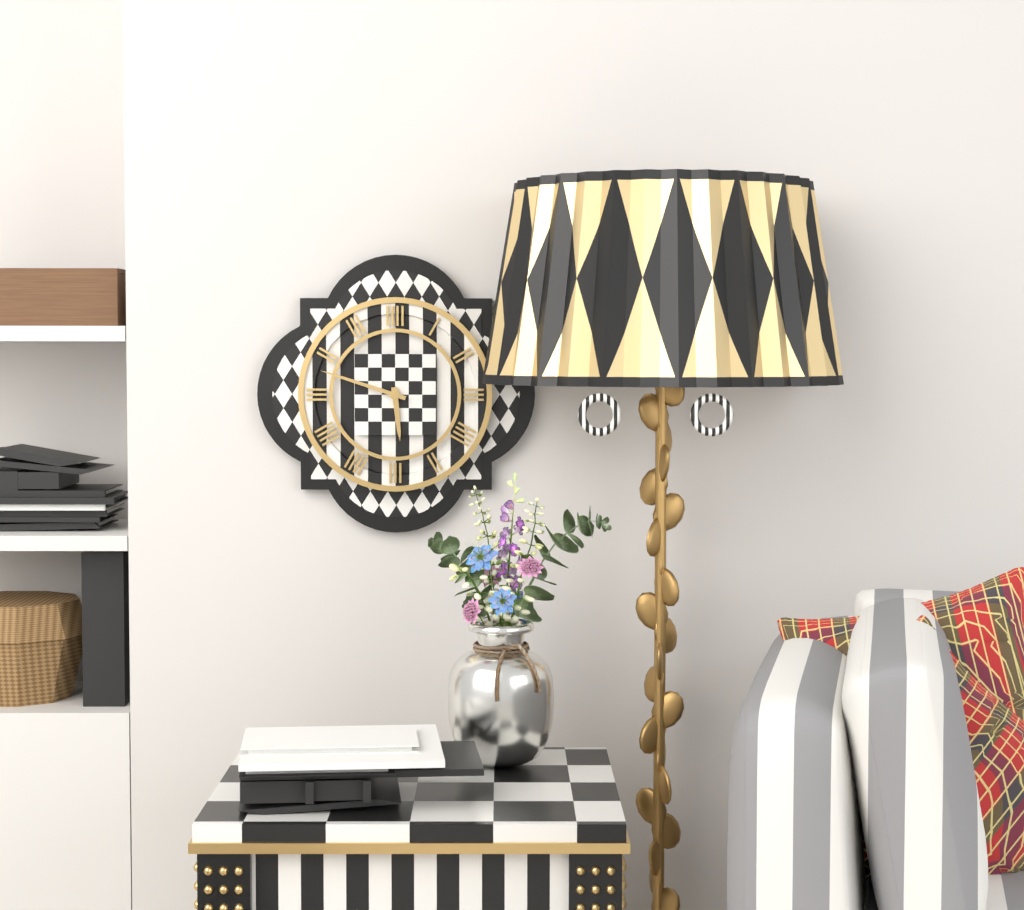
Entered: 5.48
